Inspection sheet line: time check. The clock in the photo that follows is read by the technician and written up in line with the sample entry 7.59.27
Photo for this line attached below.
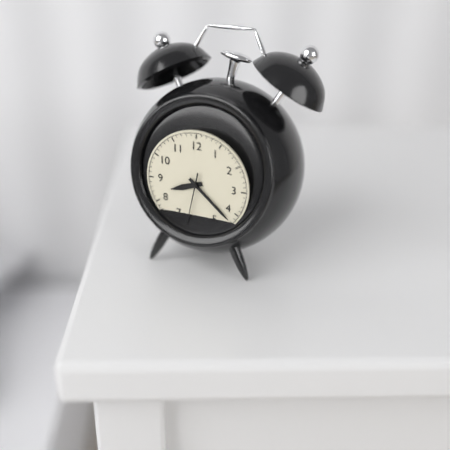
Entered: 8.22.32
